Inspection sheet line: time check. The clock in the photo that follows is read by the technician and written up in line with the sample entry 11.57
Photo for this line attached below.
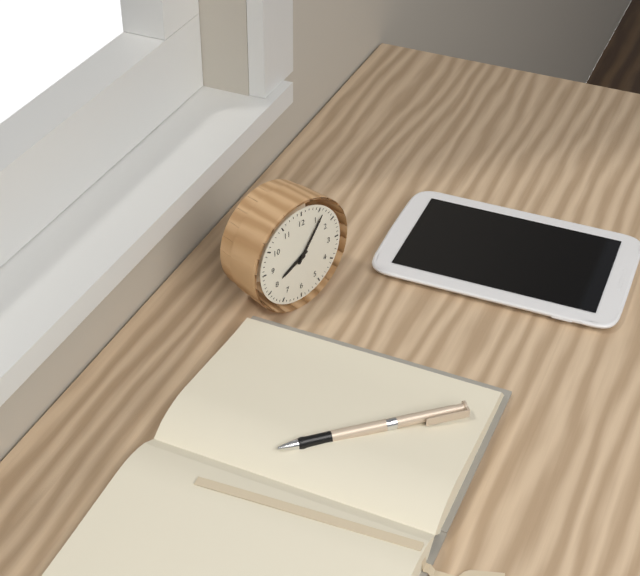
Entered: 8.06
